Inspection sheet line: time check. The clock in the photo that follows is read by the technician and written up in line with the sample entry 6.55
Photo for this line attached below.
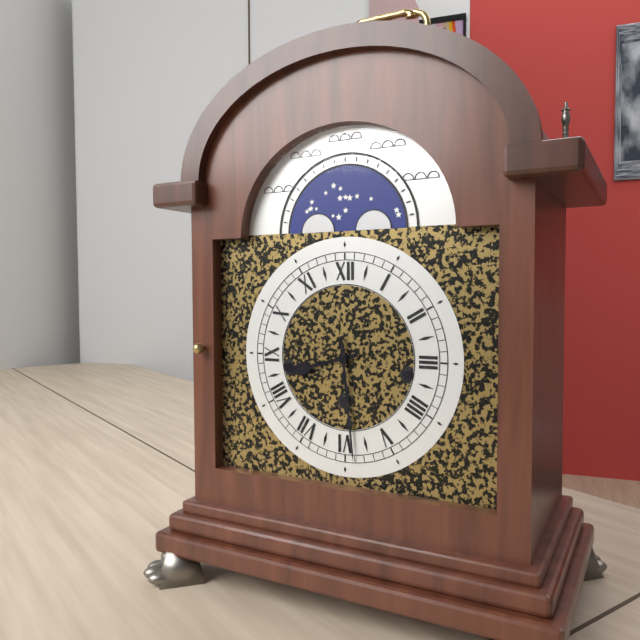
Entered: 8.29
